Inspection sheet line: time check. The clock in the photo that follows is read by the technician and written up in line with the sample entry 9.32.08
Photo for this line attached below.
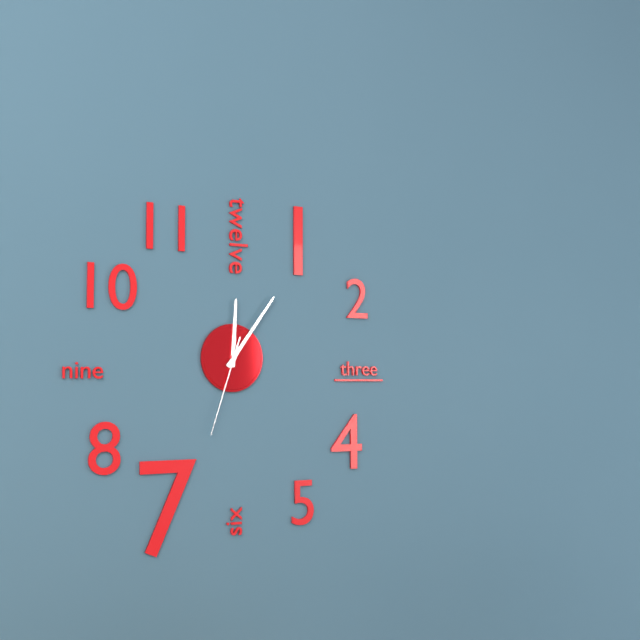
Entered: 12.06.33
